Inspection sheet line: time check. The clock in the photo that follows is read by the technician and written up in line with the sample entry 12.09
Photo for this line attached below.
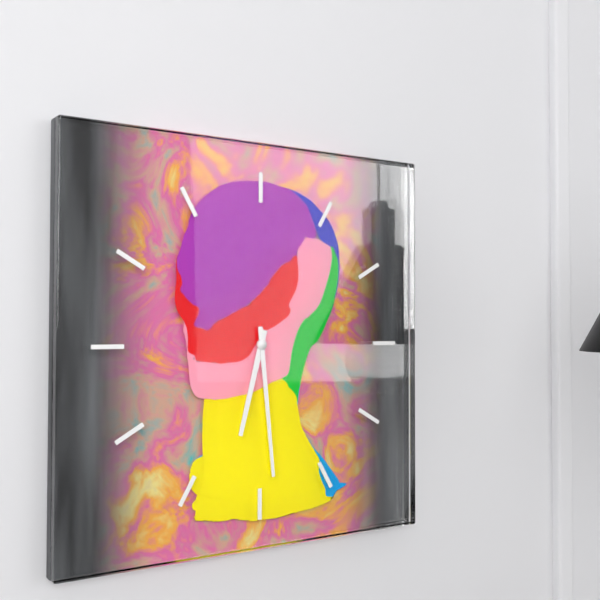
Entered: 6.29
